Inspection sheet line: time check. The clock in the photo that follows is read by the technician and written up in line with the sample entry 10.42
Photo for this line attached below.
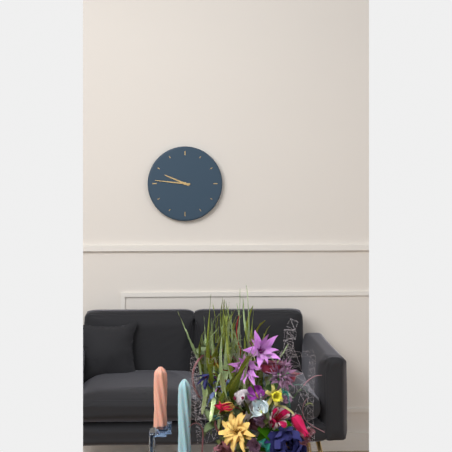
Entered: 9.46
